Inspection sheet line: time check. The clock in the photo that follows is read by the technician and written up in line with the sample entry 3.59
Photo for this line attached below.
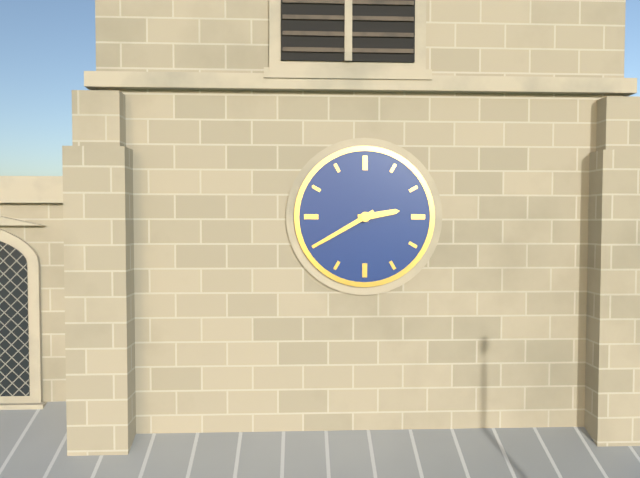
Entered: 2.40
